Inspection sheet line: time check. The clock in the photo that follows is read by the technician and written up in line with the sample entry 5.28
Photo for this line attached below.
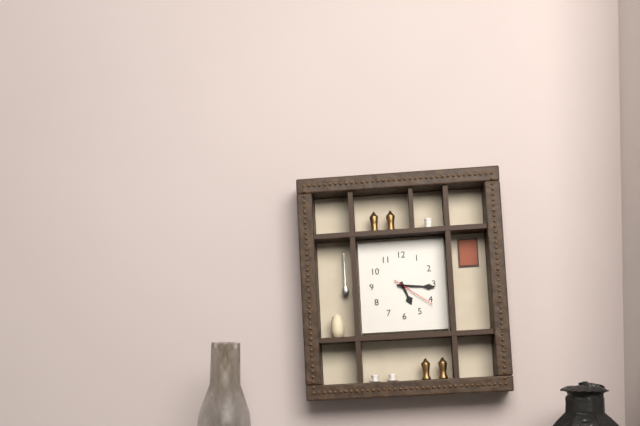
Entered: 5.16
